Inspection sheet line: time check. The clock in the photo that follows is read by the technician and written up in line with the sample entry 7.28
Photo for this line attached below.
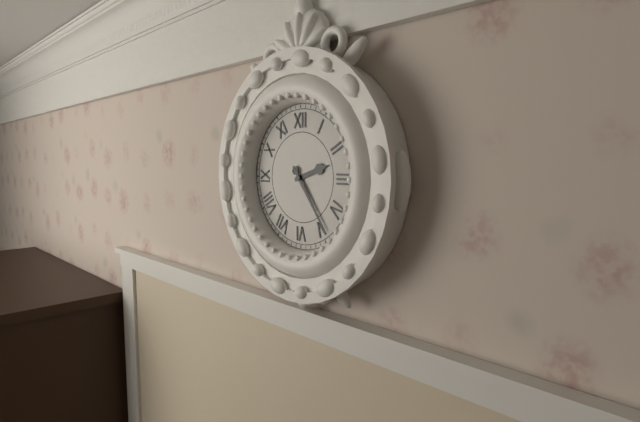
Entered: 2.24
